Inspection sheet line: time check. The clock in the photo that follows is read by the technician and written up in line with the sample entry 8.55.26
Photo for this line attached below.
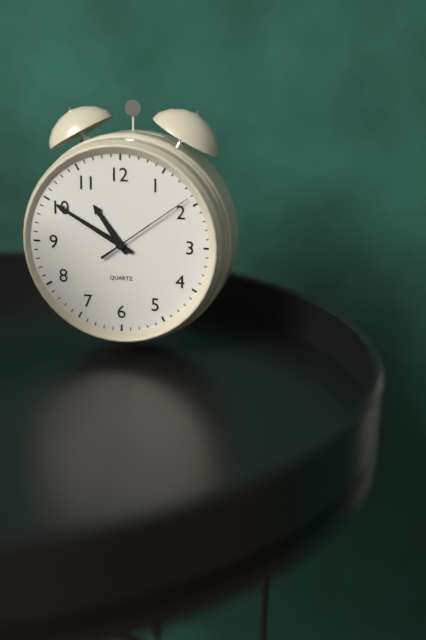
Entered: 10.50.09
